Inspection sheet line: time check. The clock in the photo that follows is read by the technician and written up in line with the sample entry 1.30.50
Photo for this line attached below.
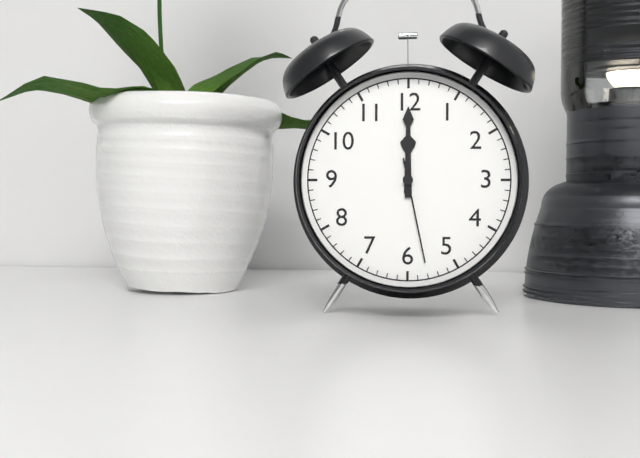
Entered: 12.00.28
